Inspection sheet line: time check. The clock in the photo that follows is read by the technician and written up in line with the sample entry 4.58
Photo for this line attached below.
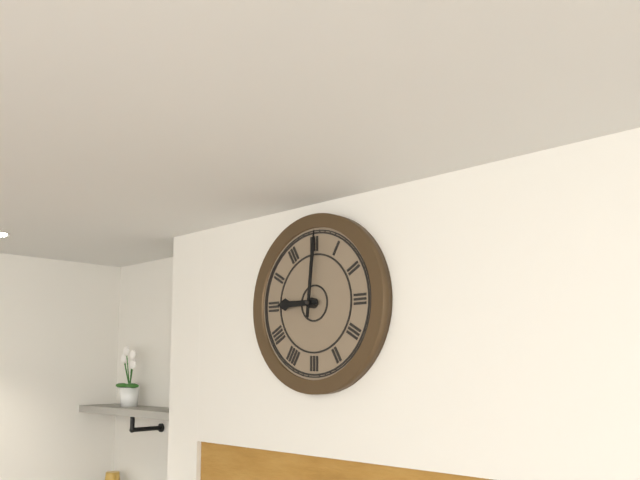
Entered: 9.01
